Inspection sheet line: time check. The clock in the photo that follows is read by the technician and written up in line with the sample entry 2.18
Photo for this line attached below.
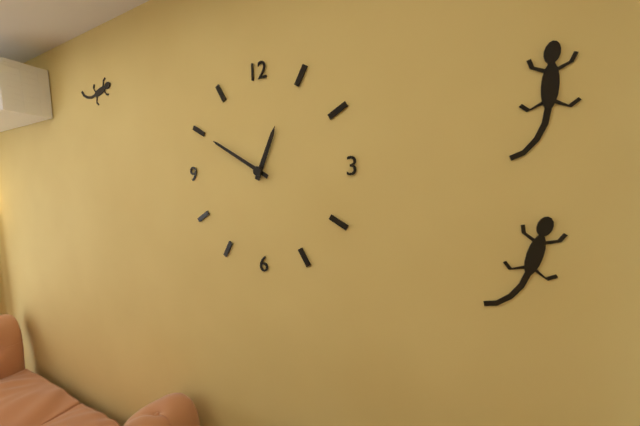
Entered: 12.50
